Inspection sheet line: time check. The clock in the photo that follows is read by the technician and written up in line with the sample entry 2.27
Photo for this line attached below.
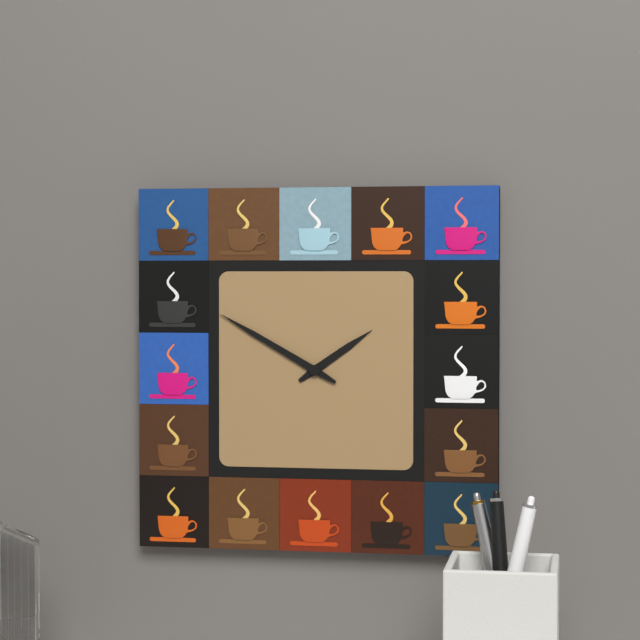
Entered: 1.50
